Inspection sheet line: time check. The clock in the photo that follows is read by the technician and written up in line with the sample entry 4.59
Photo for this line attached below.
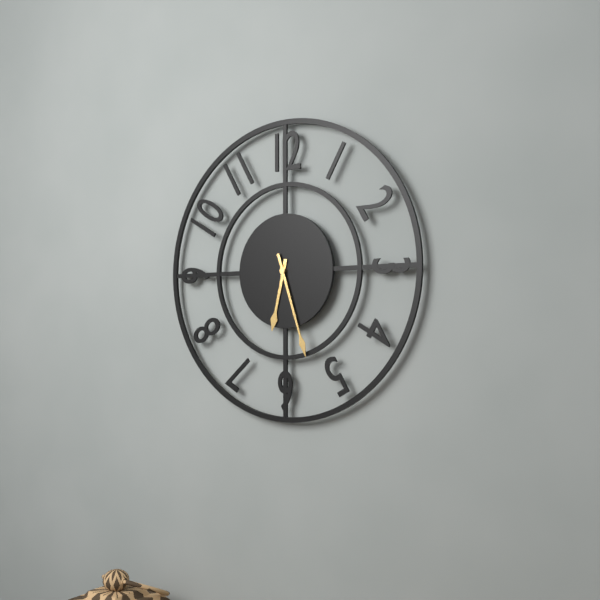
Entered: 6.27
